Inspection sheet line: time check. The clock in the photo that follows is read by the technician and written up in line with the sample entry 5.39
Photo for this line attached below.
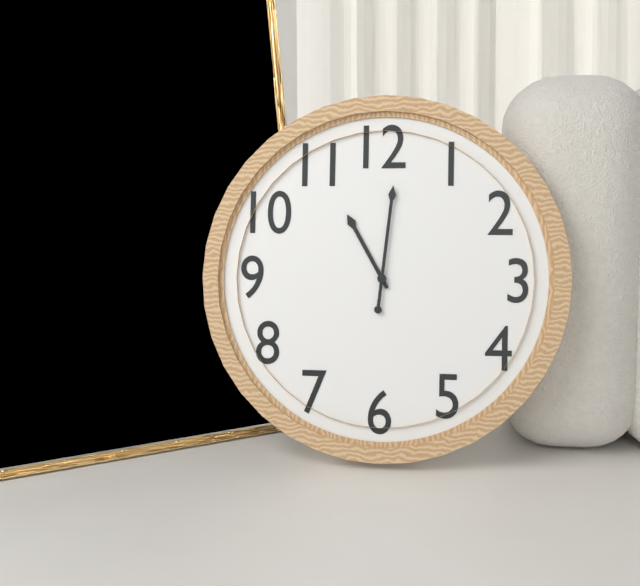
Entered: 11.01
